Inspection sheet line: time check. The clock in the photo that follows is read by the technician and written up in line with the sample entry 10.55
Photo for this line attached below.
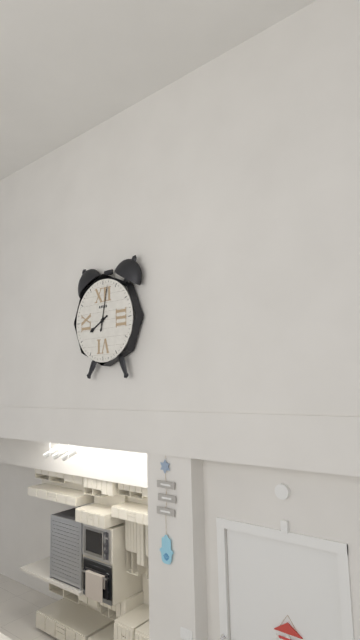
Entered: 8.02
